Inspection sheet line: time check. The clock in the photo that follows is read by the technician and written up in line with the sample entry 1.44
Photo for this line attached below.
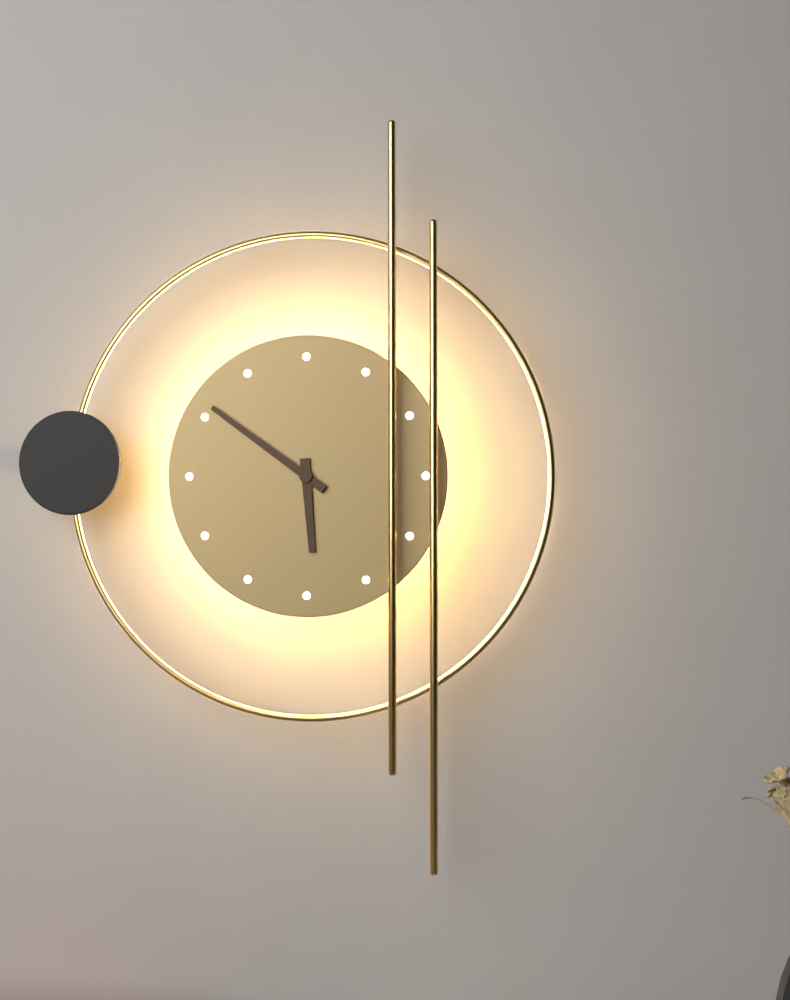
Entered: 5.51
